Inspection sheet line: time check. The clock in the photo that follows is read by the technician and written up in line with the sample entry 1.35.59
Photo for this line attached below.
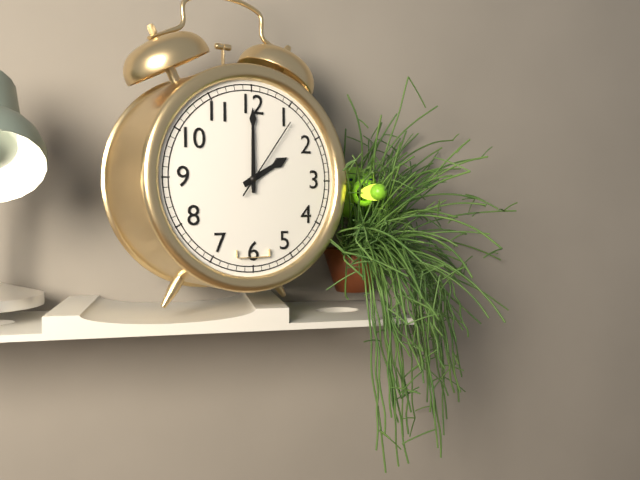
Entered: 2.00.06
